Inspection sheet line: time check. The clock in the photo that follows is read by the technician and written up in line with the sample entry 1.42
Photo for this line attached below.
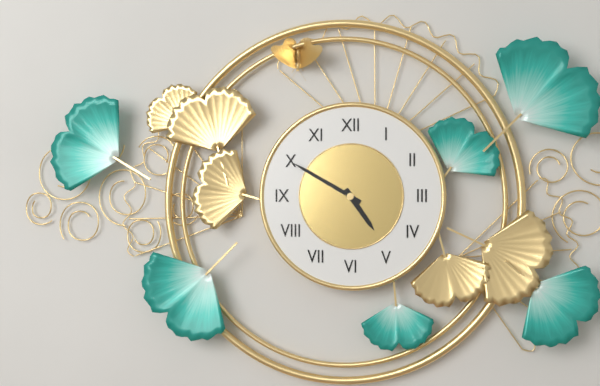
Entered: 4.50
